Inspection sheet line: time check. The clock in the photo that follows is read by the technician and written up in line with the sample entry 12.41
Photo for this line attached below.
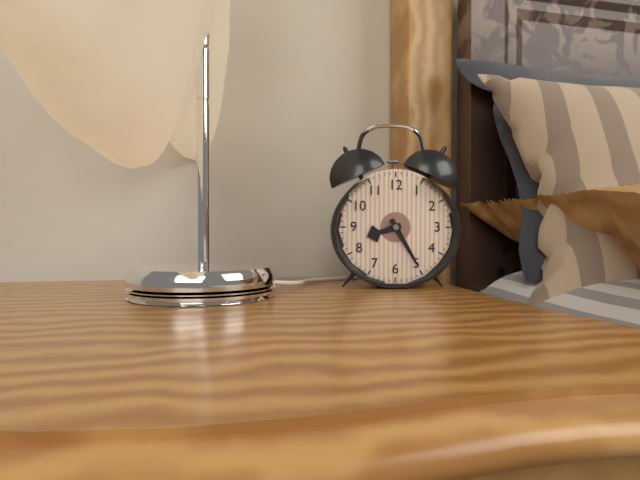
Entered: 8.25
